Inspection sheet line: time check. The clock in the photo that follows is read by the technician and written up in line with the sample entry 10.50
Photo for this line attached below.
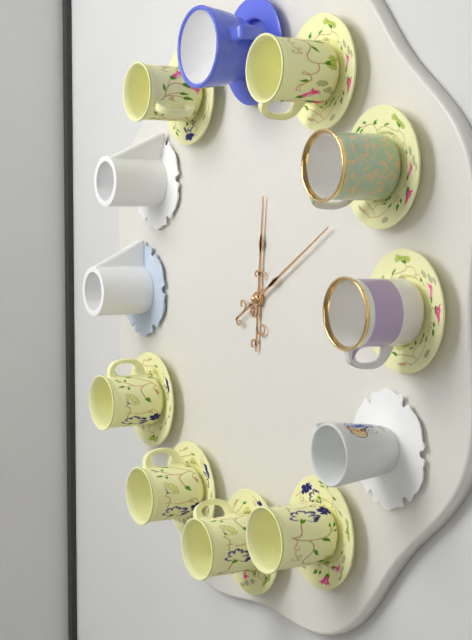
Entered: 12.10
